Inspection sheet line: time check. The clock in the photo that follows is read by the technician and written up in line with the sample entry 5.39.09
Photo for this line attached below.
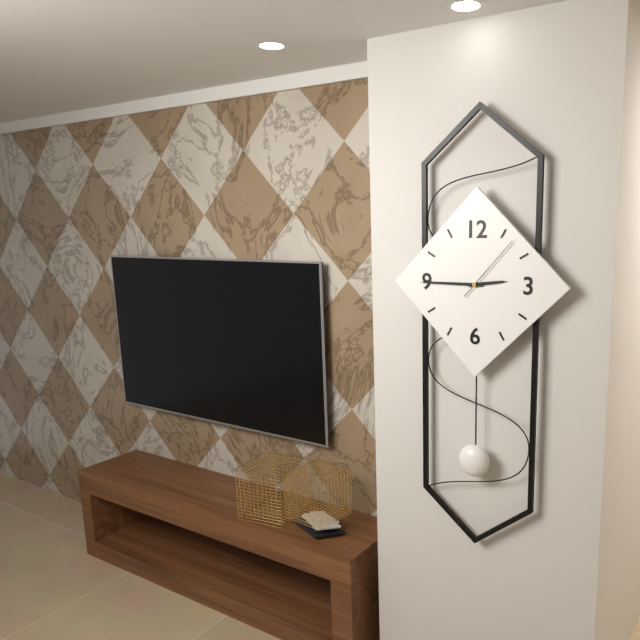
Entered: 2.45.07
